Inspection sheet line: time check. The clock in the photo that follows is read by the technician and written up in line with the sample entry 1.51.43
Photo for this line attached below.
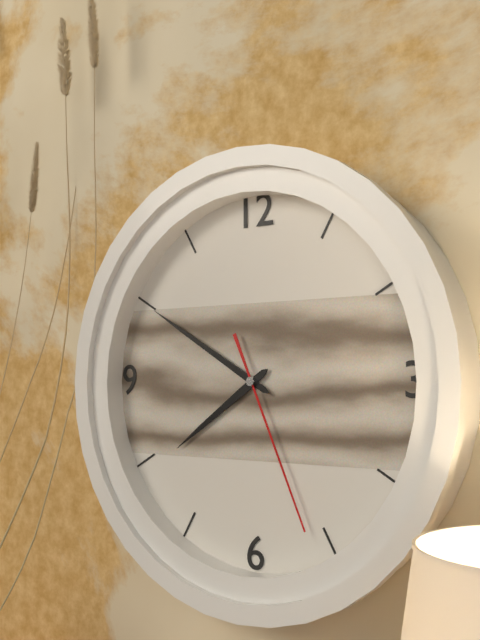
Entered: 7.50.26
